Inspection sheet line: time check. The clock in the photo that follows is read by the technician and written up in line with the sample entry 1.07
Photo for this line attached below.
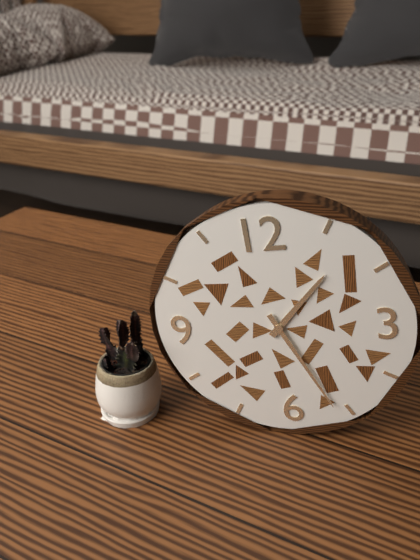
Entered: 1.26
